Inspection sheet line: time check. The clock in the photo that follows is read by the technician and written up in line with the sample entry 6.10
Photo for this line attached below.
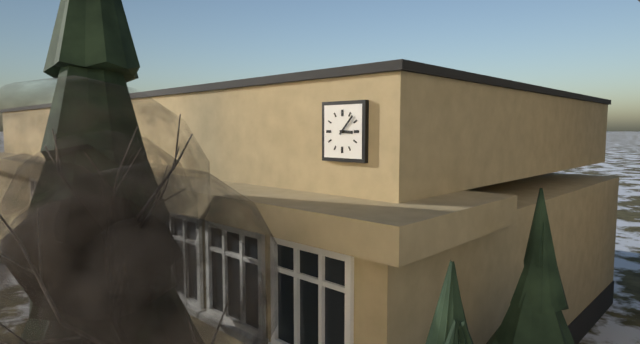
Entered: 3.07
